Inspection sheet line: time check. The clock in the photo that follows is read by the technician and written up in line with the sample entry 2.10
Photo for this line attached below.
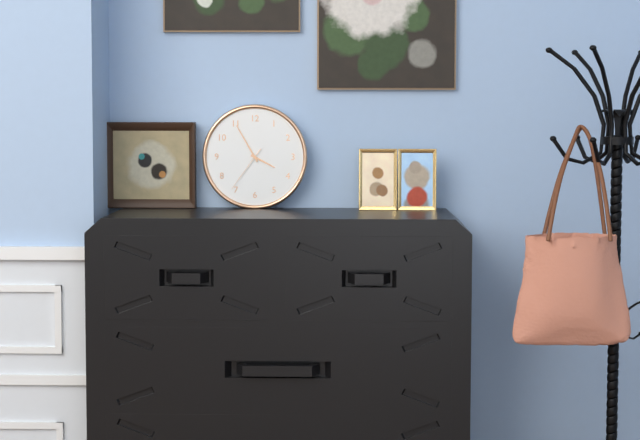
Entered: 3.55
